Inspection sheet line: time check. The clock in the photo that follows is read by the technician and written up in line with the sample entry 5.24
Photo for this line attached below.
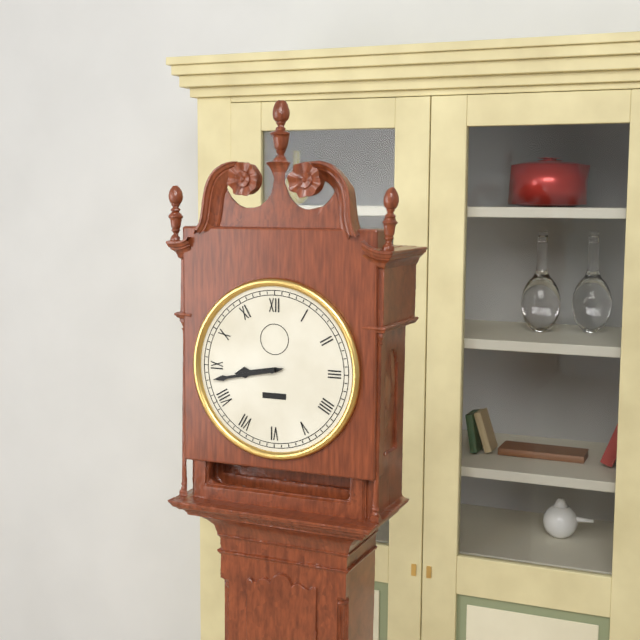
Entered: 8.43
